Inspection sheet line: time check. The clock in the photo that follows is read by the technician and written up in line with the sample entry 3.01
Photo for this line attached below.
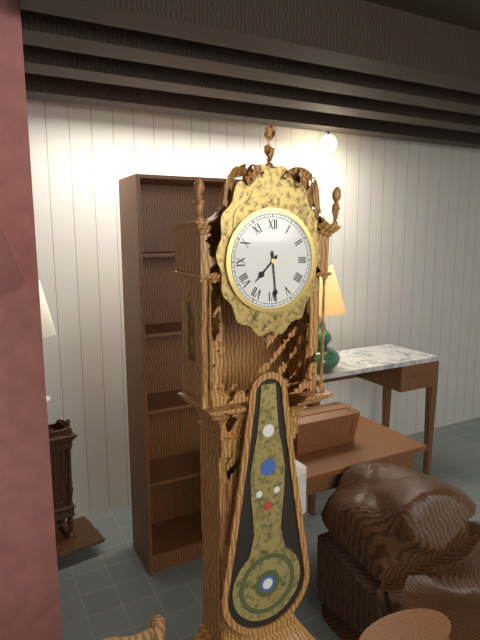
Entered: 7.29
